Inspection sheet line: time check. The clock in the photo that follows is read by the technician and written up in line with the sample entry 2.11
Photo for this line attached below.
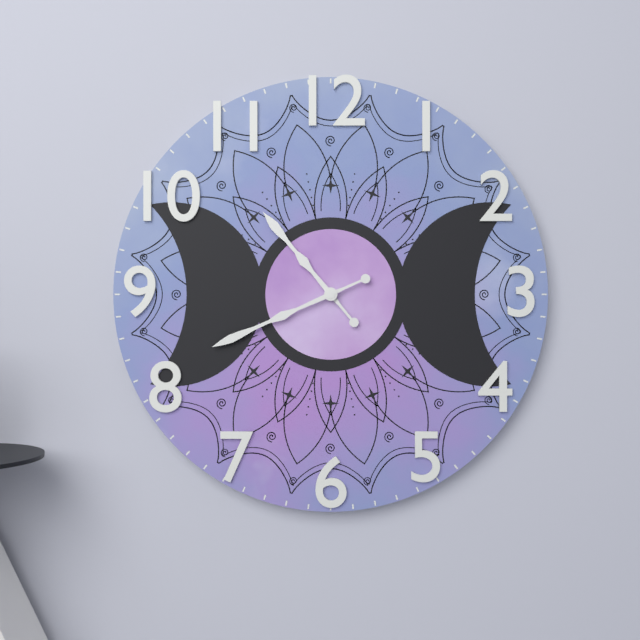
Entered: 10.41
